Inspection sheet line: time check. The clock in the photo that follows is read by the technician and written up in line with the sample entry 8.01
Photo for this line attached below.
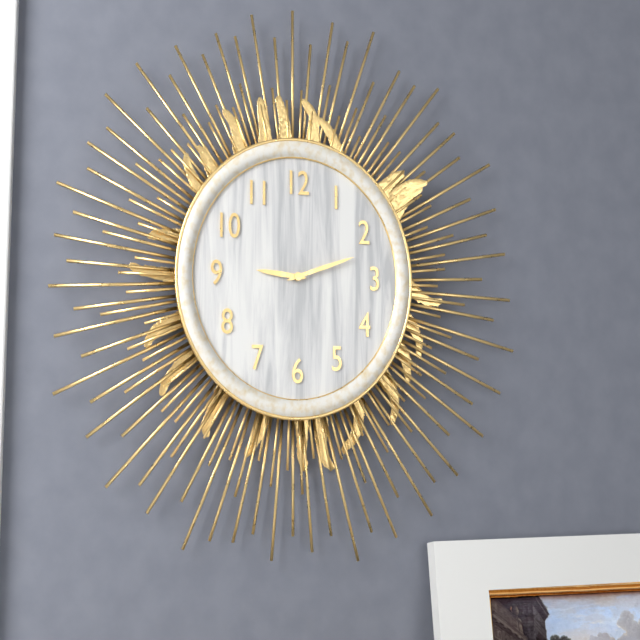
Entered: 9.12
